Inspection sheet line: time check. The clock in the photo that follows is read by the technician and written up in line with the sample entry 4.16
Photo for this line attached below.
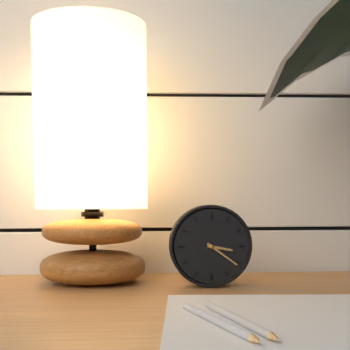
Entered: 3.21
